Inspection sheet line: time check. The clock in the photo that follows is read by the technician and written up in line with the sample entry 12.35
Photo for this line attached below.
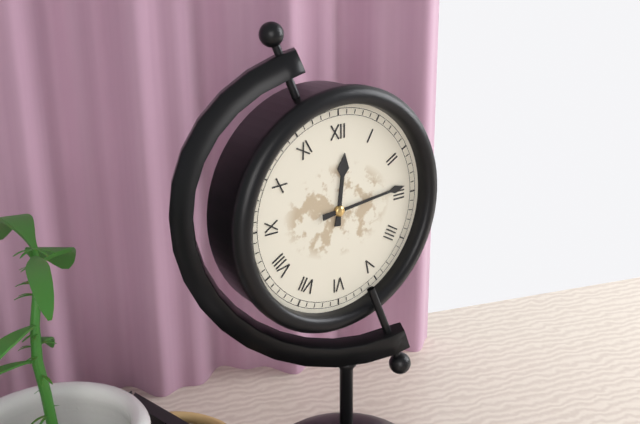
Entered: 12.14
